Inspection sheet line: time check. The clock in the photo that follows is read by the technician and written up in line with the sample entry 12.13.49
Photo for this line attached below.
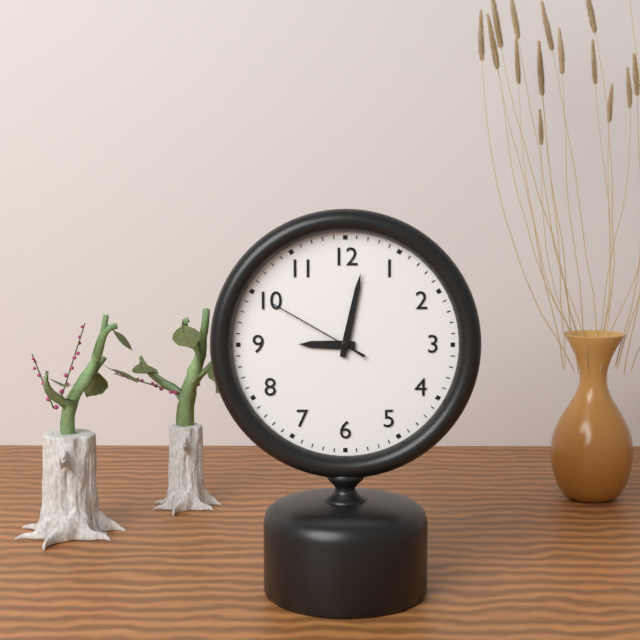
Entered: 9.02.50
